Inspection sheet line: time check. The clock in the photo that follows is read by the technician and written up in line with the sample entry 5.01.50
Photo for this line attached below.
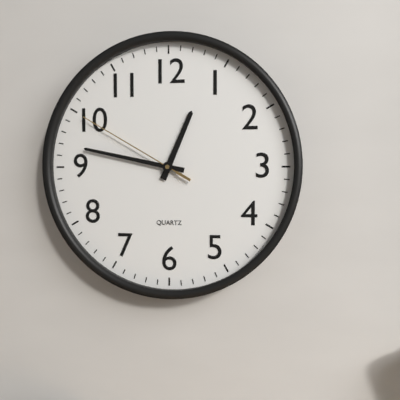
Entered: 12.47.50
